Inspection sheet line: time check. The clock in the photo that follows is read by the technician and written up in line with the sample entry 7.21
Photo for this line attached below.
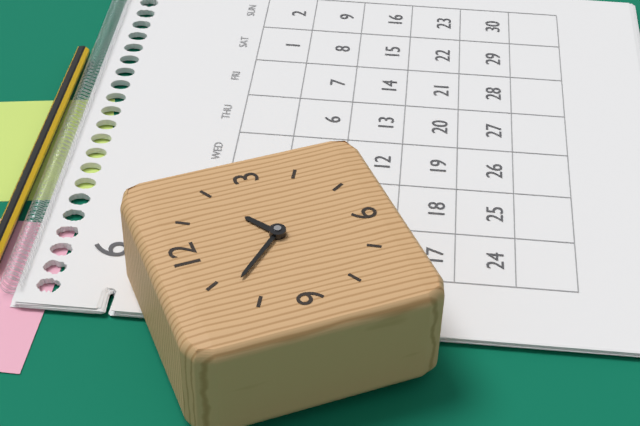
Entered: 1.53
